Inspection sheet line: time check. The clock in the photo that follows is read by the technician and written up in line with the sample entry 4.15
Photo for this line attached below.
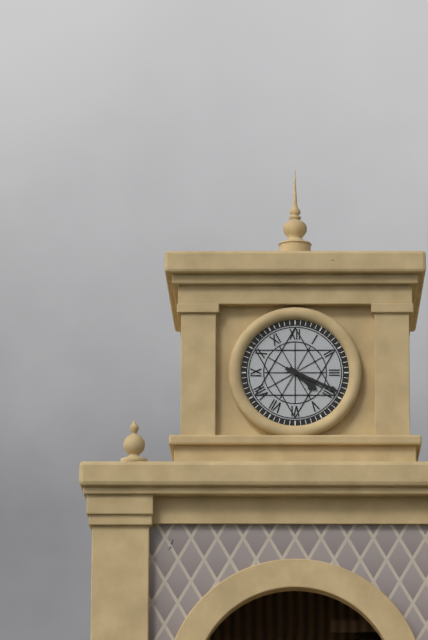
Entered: 4.19
